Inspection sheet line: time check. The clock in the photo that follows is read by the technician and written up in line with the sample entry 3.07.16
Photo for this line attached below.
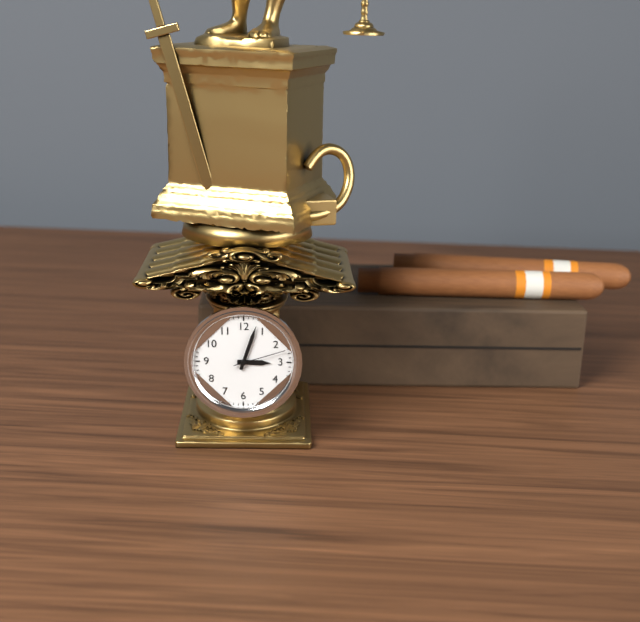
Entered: 3.03.12
